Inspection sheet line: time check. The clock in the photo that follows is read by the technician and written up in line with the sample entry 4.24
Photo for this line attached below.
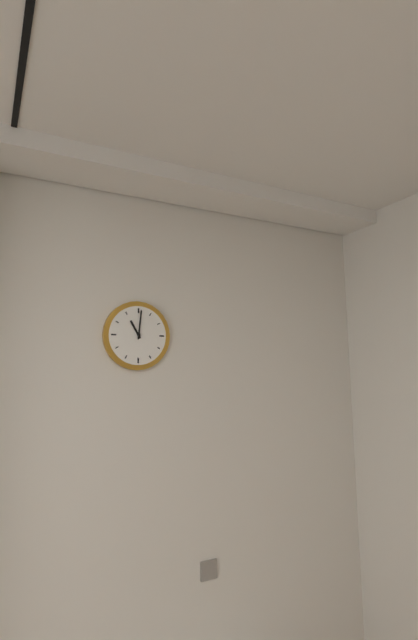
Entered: 11.01
